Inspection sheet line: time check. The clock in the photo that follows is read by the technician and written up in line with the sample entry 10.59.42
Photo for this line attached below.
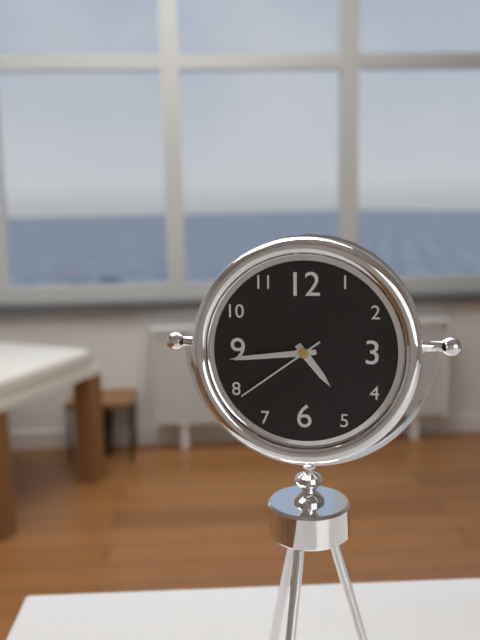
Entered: 4.44.39
